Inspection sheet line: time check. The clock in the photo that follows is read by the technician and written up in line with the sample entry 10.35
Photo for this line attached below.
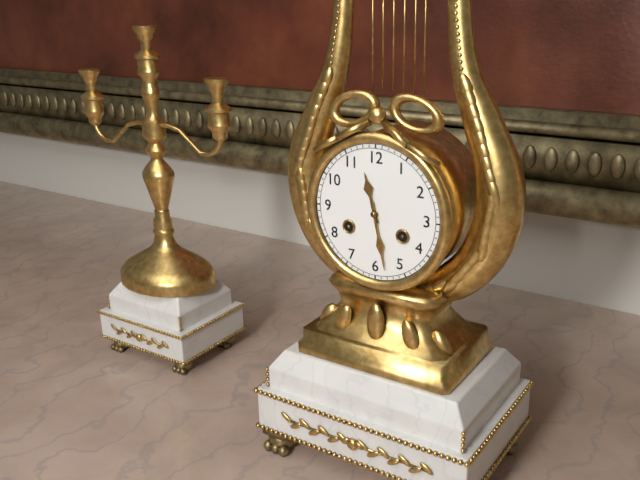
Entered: 11.28
